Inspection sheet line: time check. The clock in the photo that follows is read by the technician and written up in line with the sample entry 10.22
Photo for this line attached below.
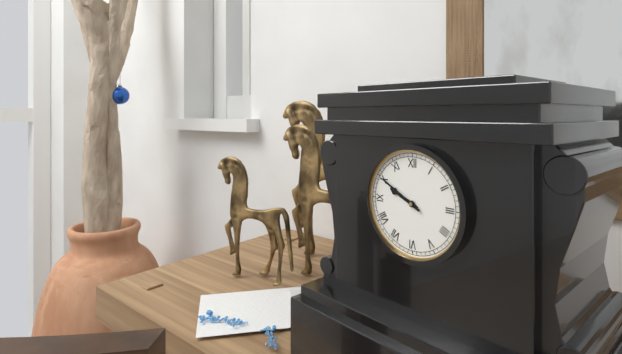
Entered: 9.50
